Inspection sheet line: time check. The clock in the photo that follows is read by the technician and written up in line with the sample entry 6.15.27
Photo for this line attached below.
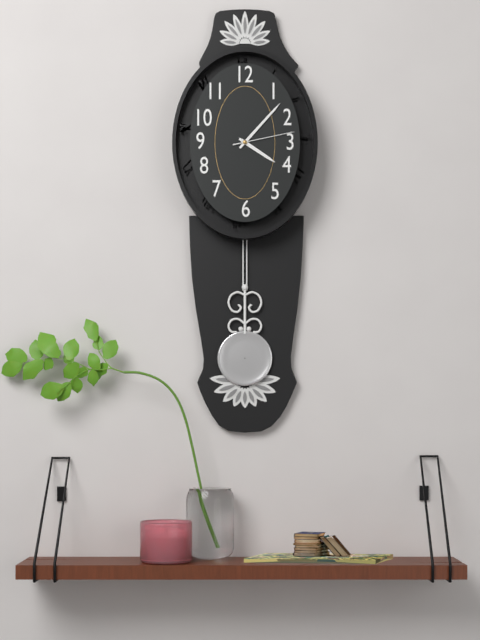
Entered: 4.07.13
